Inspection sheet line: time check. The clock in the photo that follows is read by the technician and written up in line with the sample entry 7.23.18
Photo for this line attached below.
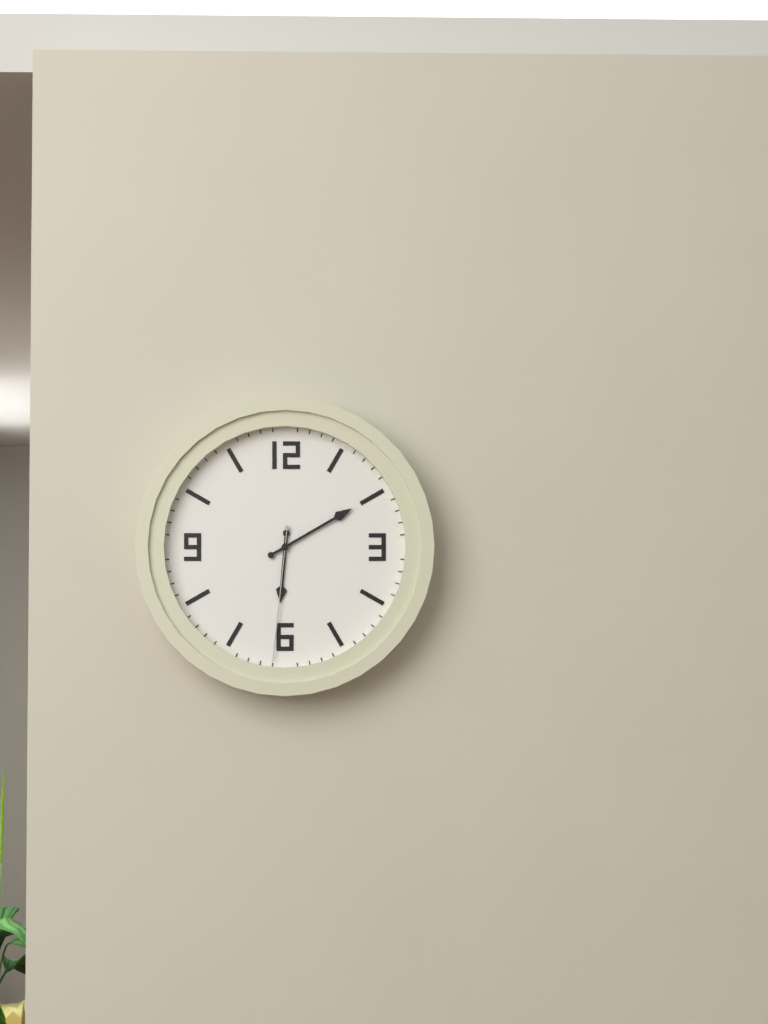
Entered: 6.10.31
